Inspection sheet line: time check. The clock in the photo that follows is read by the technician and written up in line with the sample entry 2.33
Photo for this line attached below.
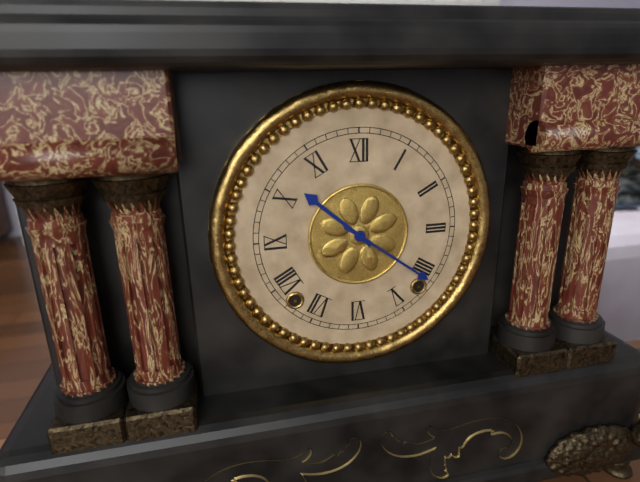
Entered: 10.21
